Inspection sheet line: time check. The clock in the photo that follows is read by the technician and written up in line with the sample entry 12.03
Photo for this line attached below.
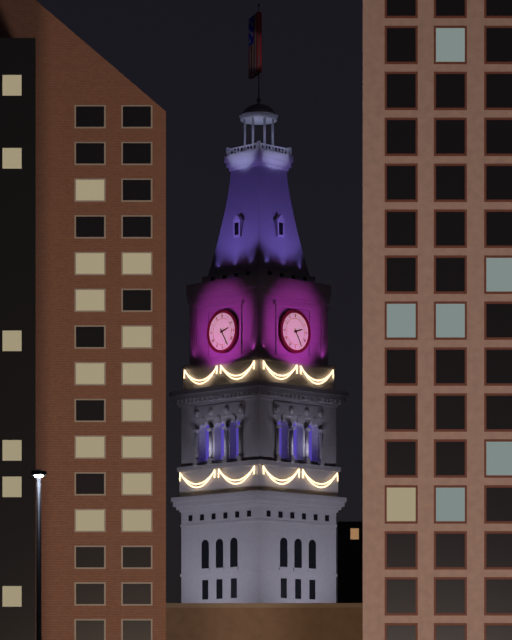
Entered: 2.25
